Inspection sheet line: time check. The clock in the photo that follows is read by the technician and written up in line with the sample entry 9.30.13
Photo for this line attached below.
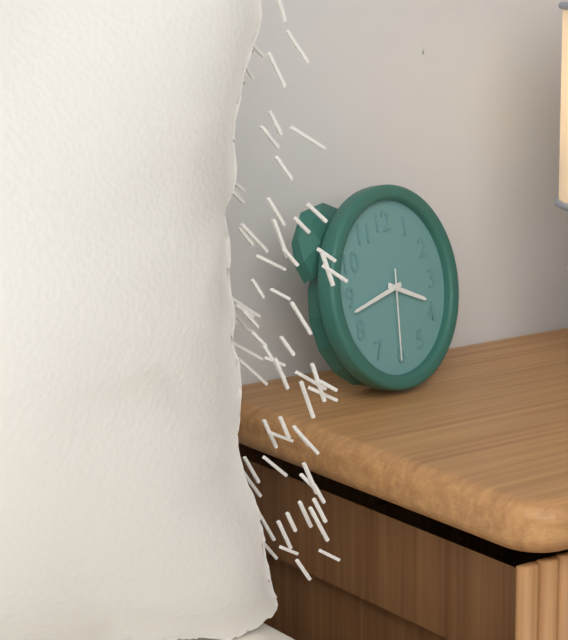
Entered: 3.43.31
